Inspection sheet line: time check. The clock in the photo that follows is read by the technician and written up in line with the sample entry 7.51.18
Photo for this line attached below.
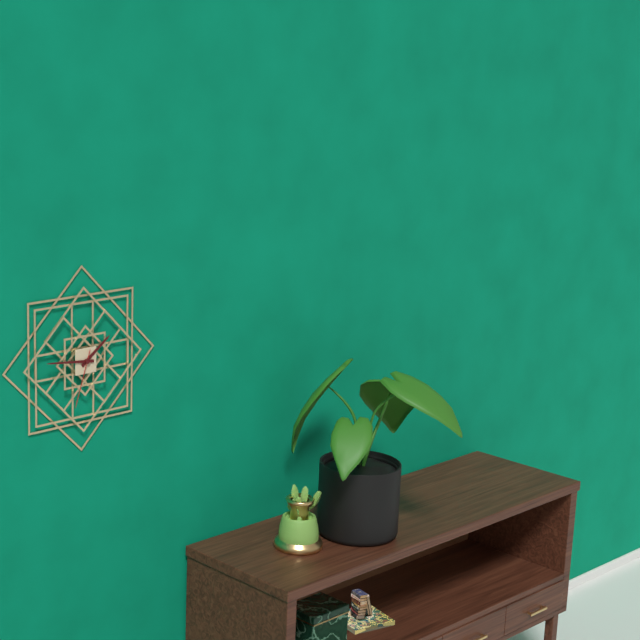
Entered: 1.46.33
